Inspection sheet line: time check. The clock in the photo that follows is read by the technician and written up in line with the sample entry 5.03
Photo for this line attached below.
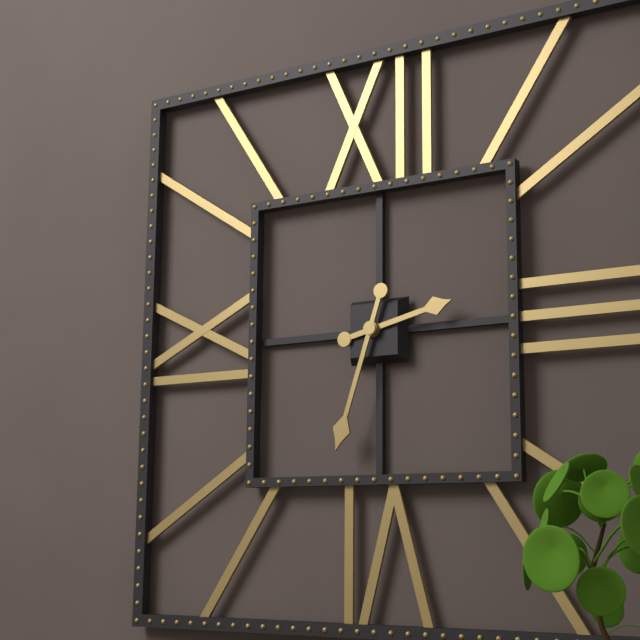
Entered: 2.33
